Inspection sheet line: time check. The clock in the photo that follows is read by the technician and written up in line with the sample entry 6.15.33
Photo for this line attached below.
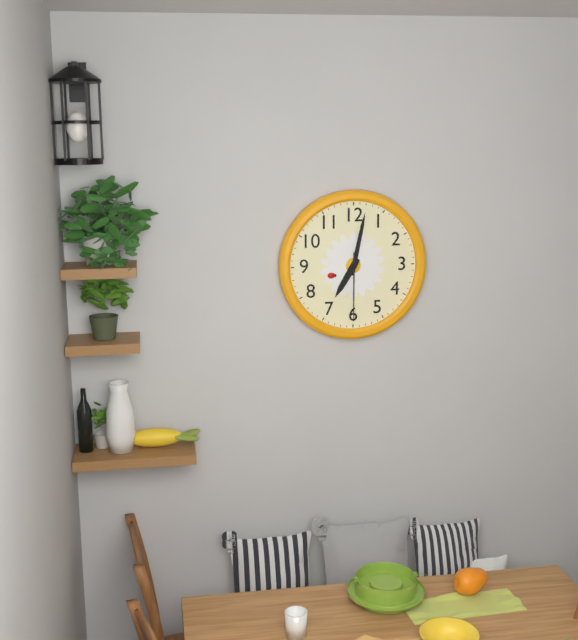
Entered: 7.02.30
